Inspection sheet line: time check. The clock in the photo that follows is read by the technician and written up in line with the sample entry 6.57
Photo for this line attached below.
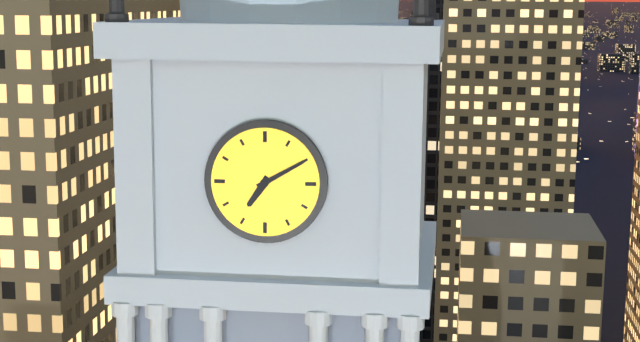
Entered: 7.10
